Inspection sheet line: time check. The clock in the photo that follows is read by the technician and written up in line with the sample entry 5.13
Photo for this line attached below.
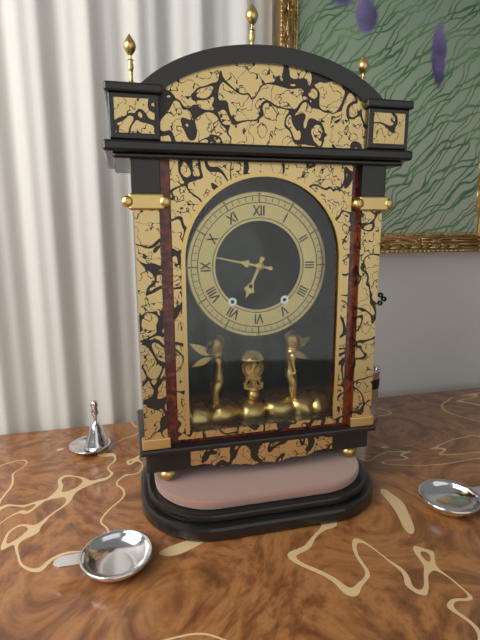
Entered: 6.47
